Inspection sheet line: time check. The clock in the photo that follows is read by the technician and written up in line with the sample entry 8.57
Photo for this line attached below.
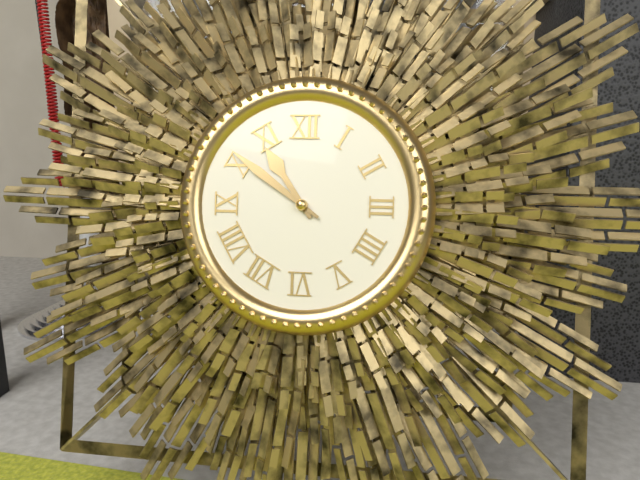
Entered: 10.51
